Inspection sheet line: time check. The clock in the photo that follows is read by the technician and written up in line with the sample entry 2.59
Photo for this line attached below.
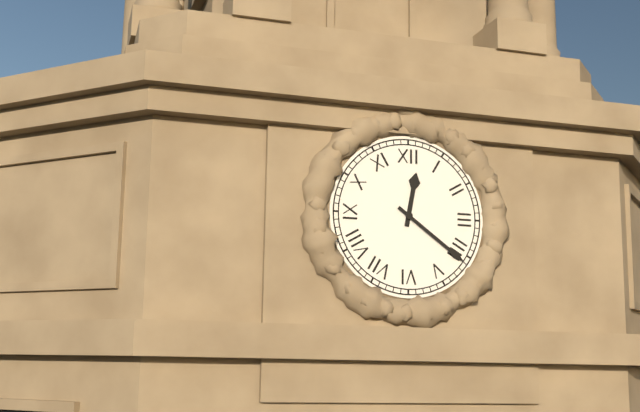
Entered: 12.21
